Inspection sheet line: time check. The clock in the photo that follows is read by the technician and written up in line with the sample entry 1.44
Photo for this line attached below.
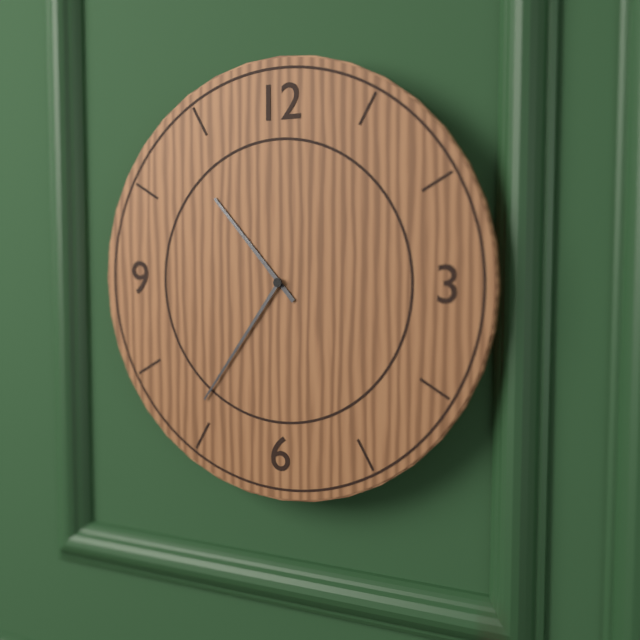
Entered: 10.36
